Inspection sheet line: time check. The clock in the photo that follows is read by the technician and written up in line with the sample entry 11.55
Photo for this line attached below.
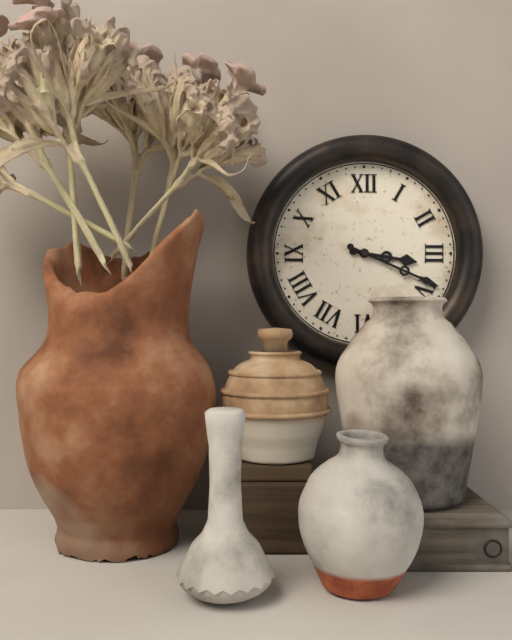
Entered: 3.19
